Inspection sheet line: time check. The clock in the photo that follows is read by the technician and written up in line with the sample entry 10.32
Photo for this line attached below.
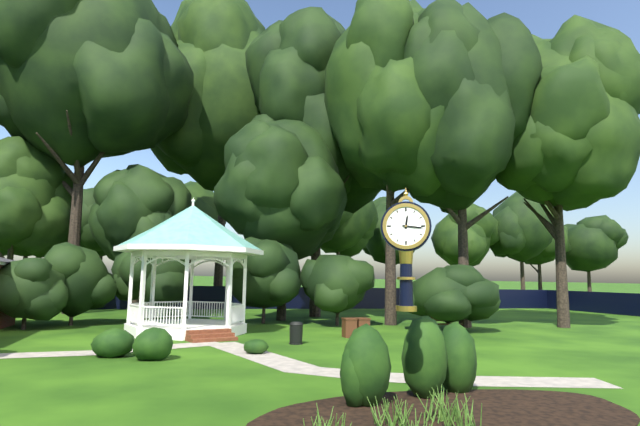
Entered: 12.16
